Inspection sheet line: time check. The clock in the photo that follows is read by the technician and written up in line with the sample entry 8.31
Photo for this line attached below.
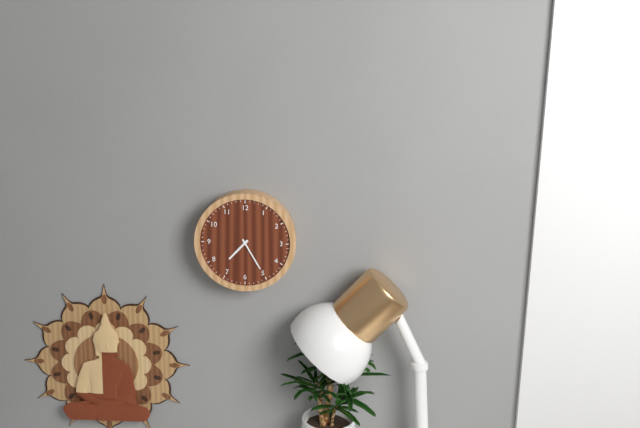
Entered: 7.25
